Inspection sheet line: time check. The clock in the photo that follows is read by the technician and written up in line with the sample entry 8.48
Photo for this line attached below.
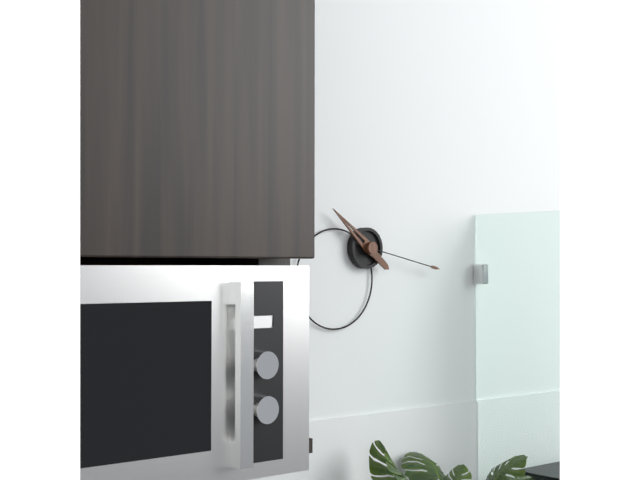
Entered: 10.17
